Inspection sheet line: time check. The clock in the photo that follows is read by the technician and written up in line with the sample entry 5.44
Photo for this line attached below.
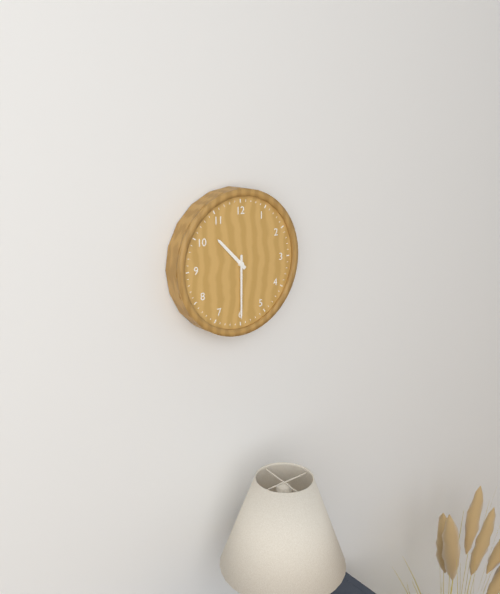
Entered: 10.30
